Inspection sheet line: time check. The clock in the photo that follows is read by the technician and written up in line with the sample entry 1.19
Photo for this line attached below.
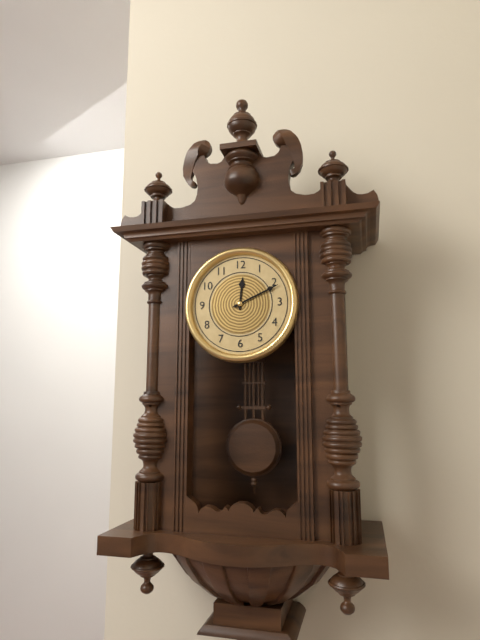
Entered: 12.11
